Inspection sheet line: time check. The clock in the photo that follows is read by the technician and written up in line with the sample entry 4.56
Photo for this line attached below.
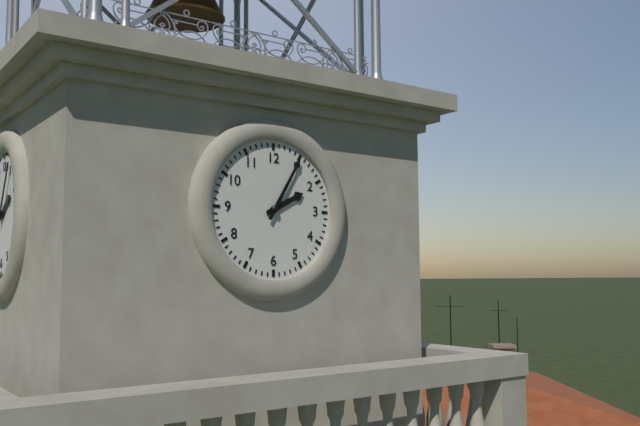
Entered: 2.05
